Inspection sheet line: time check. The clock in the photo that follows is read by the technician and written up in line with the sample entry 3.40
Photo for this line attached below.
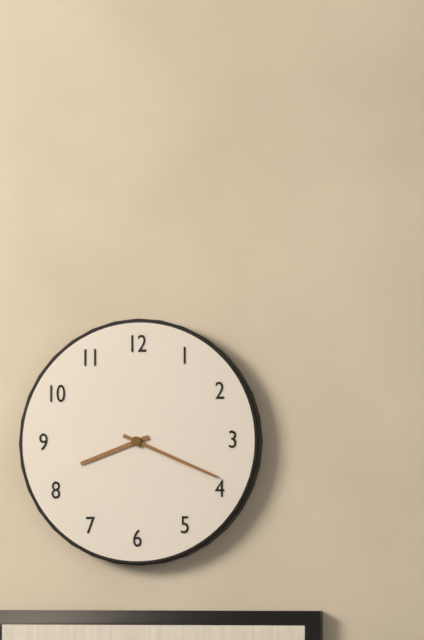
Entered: 8.19
